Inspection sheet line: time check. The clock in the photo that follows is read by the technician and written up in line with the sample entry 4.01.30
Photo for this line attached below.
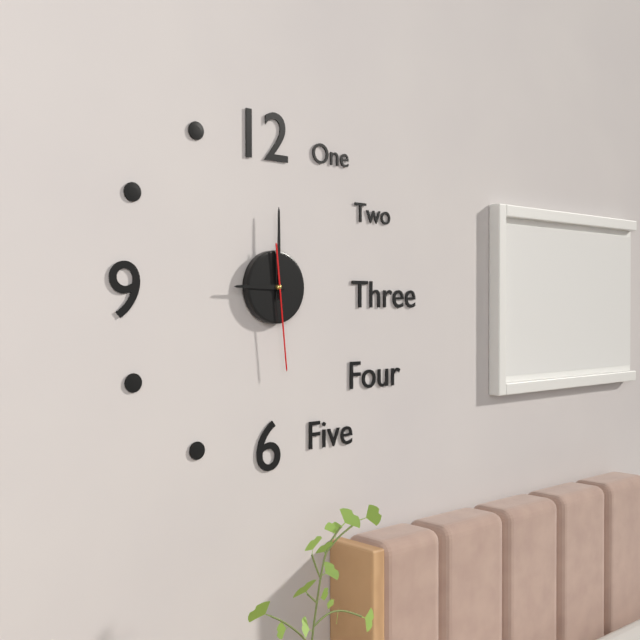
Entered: 9.00.29
